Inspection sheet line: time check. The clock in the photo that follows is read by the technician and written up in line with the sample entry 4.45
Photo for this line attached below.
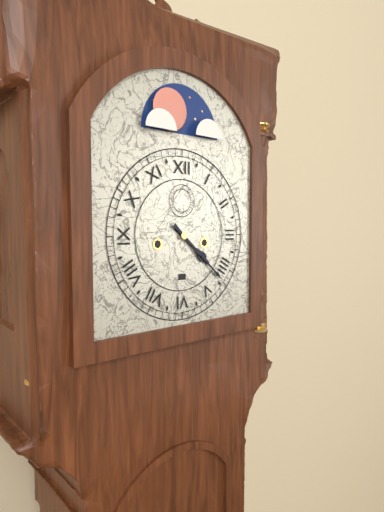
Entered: 4.22
